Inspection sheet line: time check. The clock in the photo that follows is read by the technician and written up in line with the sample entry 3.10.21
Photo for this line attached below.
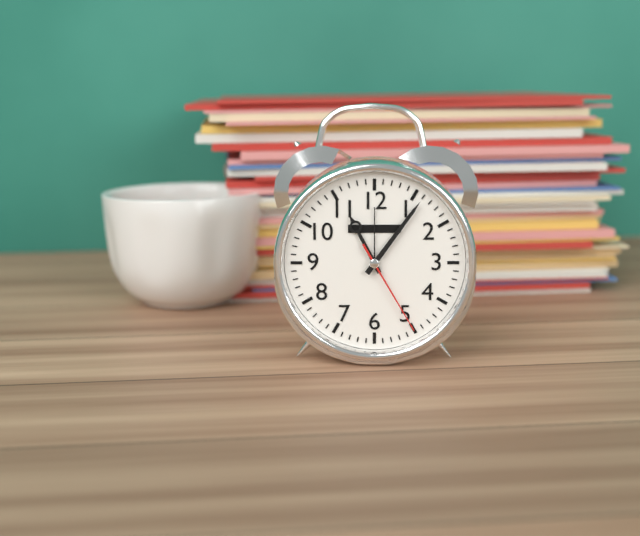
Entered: 11.06.25
